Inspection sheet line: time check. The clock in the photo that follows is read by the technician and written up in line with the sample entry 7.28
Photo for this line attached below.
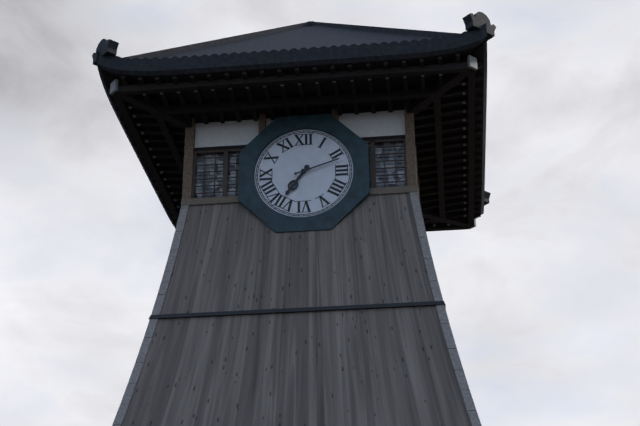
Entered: 7.12
